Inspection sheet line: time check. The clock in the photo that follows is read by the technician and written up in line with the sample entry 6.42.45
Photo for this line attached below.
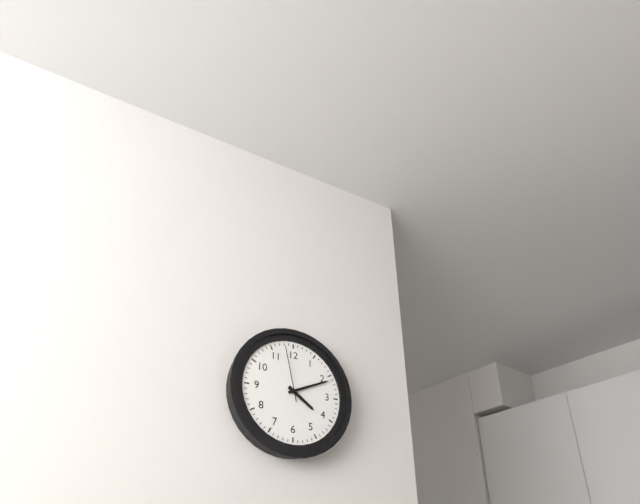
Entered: 4.11.58
